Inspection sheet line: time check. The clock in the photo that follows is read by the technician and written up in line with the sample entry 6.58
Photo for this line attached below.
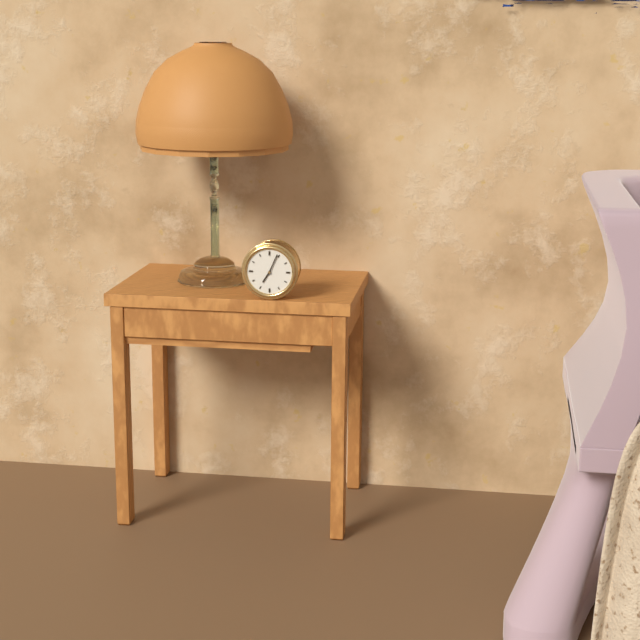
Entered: 7.04
